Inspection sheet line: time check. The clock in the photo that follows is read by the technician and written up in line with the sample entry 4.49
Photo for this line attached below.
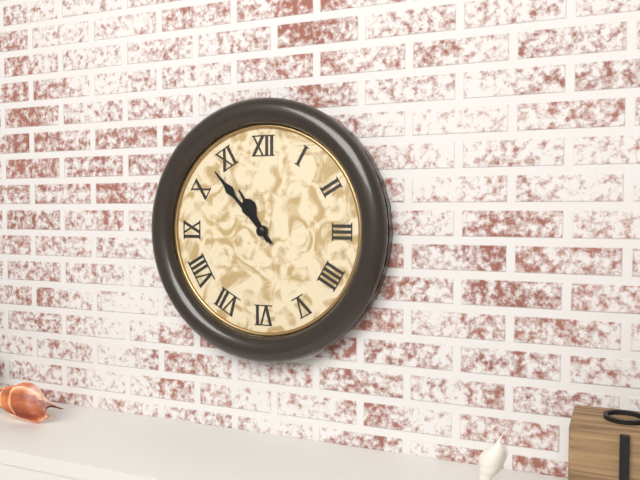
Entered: 10.53
